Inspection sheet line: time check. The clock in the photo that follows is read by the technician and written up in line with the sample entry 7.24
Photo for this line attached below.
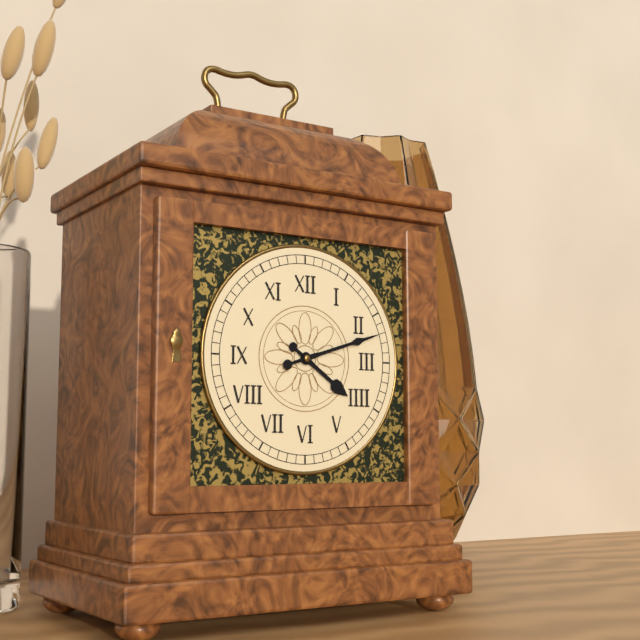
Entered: 4.12
